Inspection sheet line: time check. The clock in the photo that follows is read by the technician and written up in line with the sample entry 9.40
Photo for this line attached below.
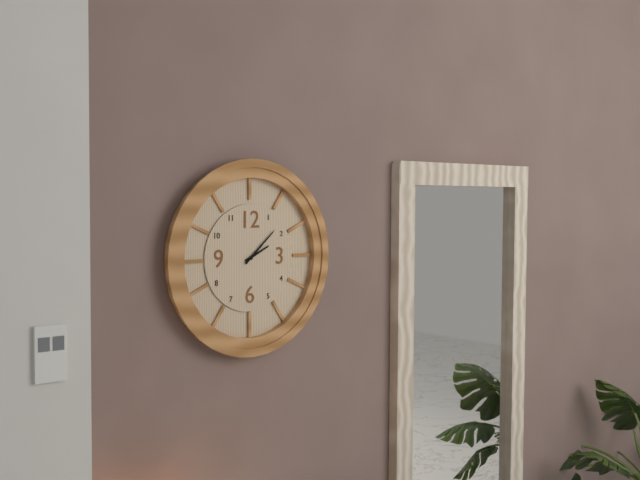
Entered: 2.08
